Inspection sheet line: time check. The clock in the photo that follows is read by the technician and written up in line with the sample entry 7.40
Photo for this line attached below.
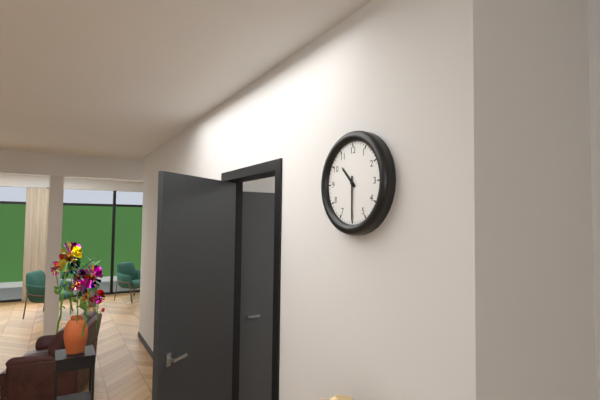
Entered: 10.30
